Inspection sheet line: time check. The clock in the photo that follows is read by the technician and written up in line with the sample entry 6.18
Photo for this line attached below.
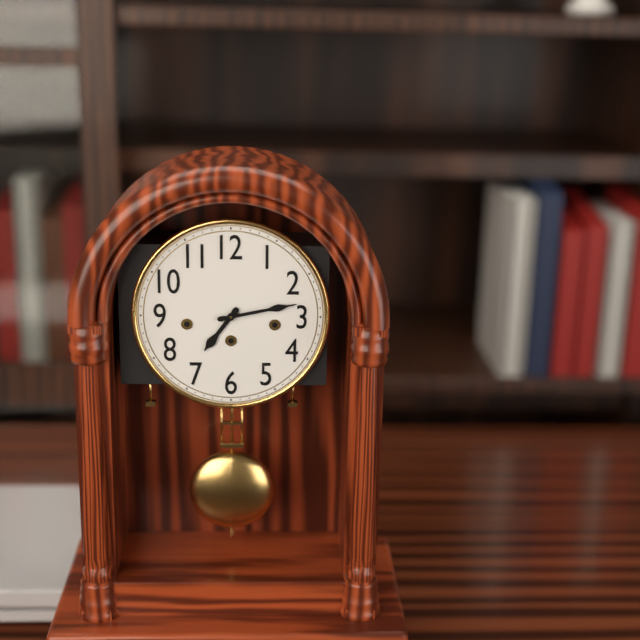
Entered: 7.13
